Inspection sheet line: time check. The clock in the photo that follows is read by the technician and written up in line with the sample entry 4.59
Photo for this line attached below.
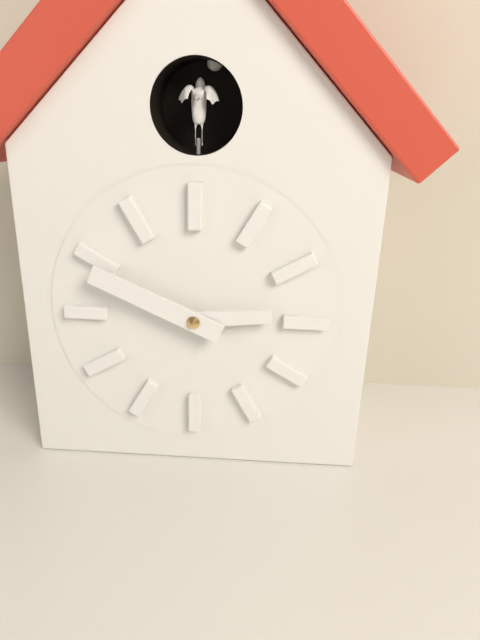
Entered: 2.49
